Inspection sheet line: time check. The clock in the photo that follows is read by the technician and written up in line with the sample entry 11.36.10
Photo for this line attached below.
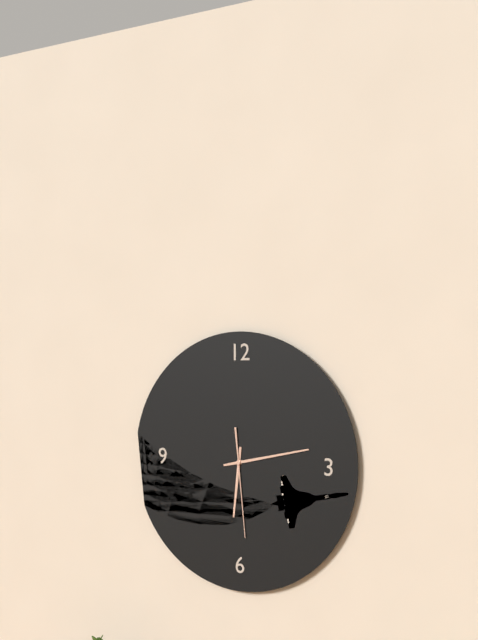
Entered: 6.13.29
